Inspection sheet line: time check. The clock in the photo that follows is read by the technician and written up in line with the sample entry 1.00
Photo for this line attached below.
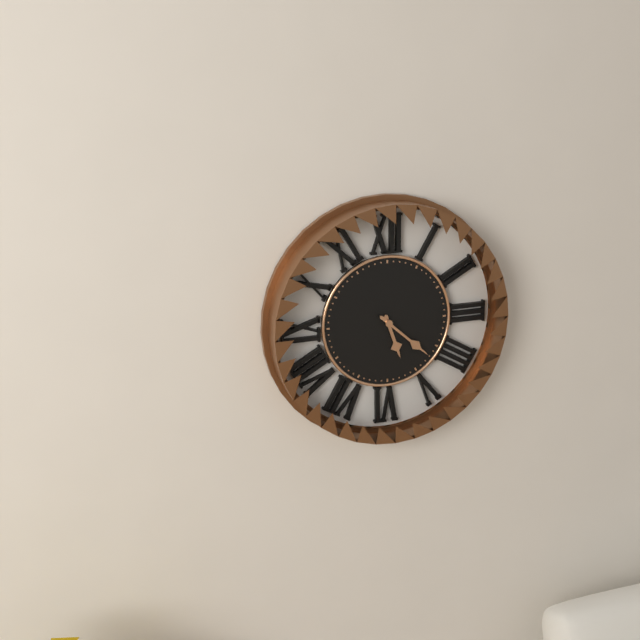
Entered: 5.22
